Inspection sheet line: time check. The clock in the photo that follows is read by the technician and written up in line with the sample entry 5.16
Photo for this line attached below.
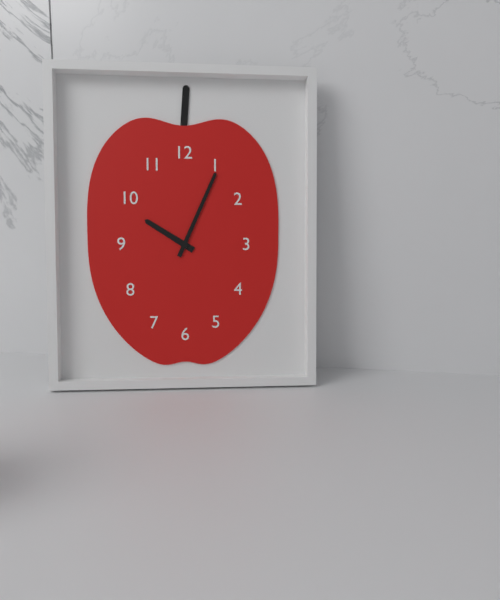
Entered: 10.04
